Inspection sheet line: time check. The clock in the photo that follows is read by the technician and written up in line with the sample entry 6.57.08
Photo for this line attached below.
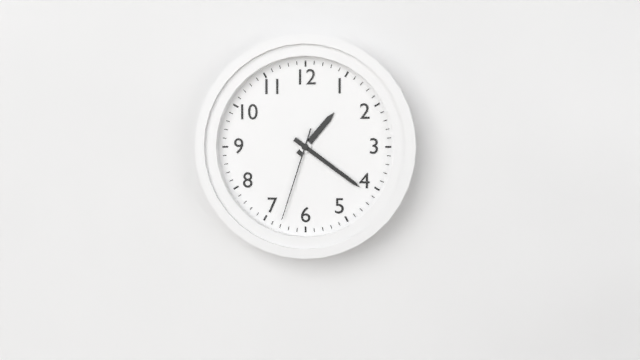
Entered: 1.21.33
